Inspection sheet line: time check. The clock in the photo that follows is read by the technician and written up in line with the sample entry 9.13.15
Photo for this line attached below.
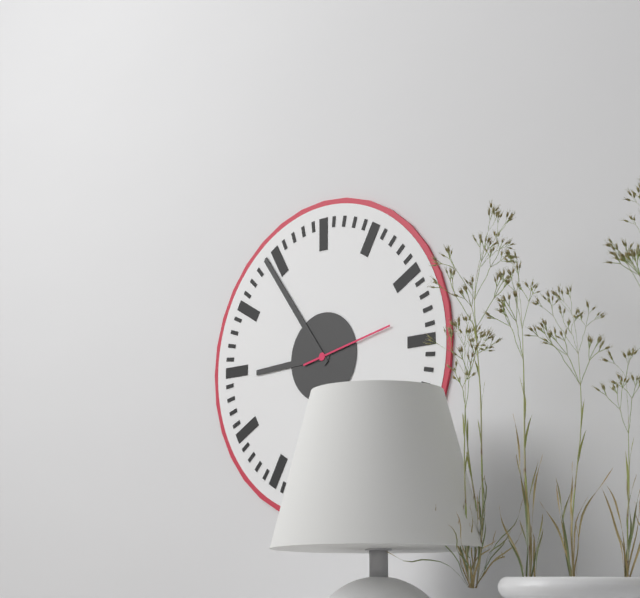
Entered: 8.54.13
